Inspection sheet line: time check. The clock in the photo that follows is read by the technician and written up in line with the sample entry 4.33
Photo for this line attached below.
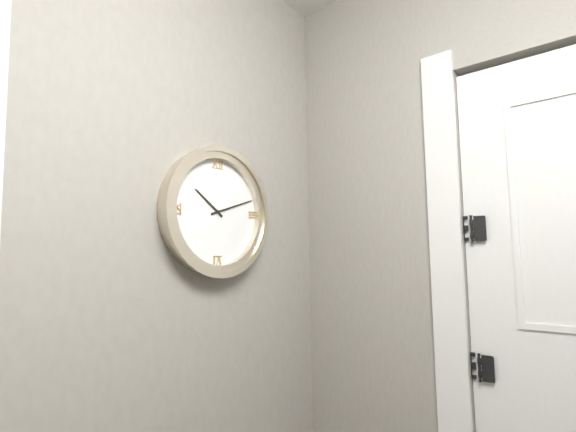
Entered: 10.12
